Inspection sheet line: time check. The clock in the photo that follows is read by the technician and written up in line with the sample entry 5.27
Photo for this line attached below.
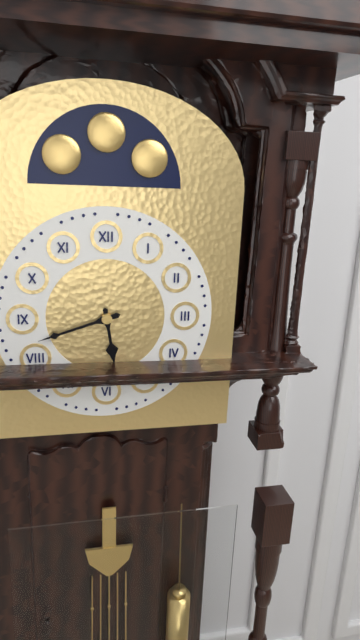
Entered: 5.42
